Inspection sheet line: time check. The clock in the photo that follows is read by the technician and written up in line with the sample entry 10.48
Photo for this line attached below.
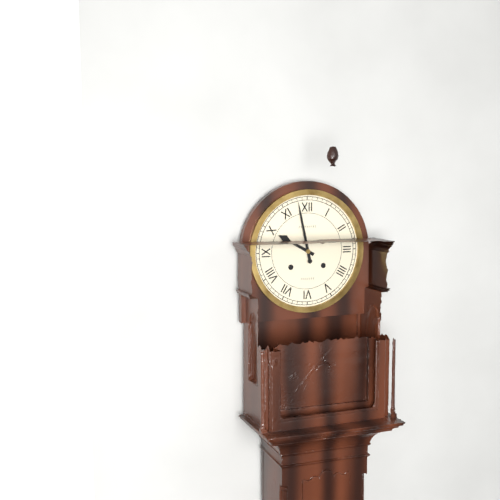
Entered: 9.58
